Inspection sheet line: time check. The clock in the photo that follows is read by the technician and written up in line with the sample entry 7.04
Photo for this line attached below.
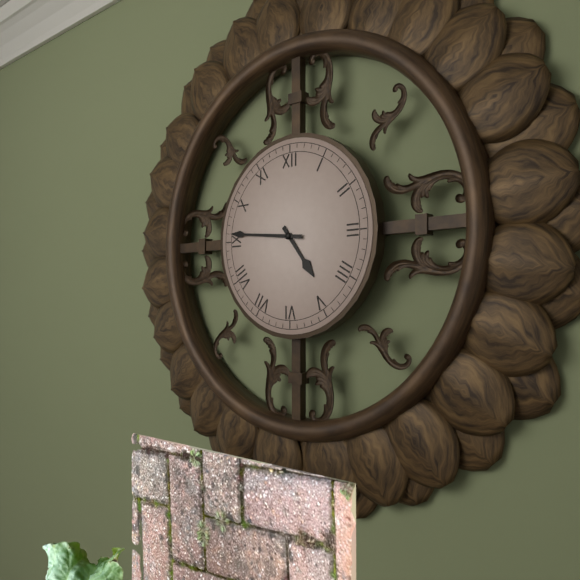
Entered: 4.46
